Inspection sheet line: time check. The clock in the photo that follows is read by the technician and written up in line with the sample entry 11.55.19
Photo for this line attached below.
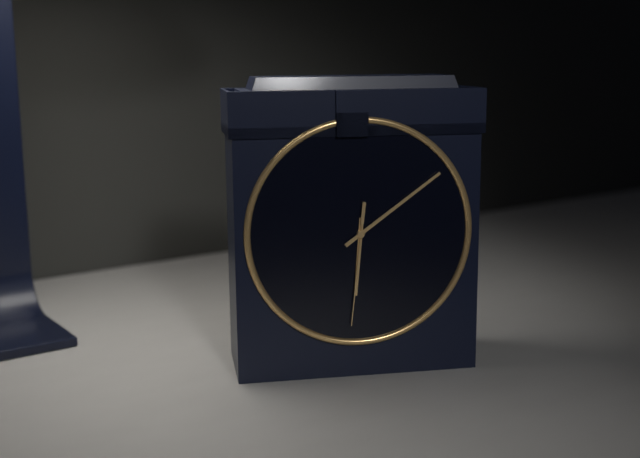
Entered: 6.09.31
